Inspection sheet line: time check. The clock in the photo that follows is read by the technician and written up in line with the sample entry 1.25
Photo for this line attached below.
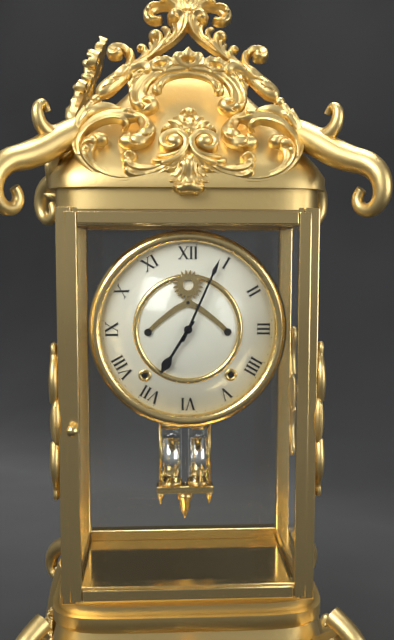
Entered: 7.04
